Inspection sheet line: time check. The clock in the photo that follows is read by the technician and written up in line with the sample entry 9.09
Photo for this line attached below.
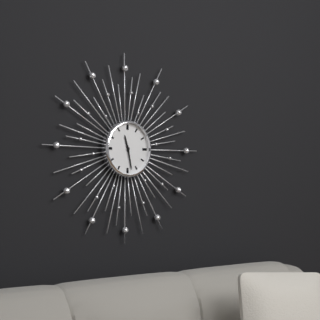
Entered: 11.28
